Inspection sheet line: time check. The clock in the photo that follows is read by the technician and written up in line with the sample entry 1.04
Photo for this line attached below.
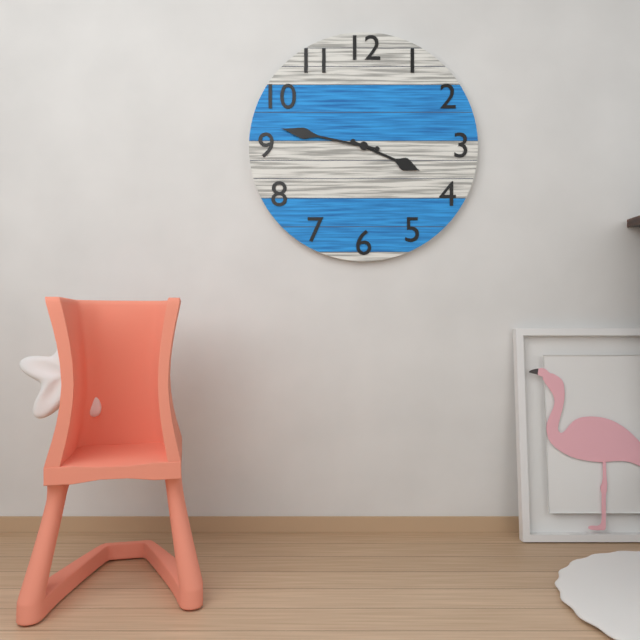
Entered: 3.47
